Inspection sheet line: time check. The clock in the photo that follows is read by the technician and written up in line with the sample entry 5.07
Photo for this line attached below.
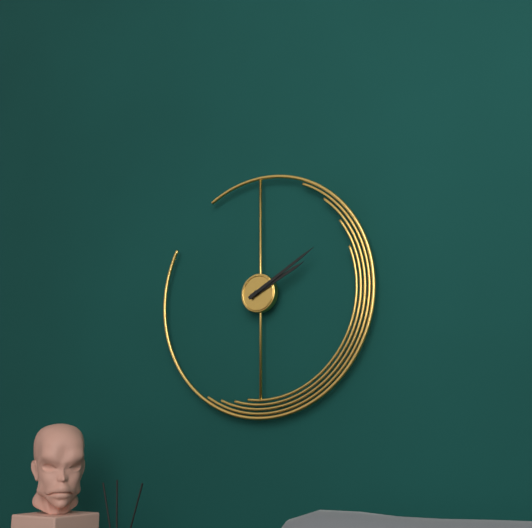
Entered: 2.10
